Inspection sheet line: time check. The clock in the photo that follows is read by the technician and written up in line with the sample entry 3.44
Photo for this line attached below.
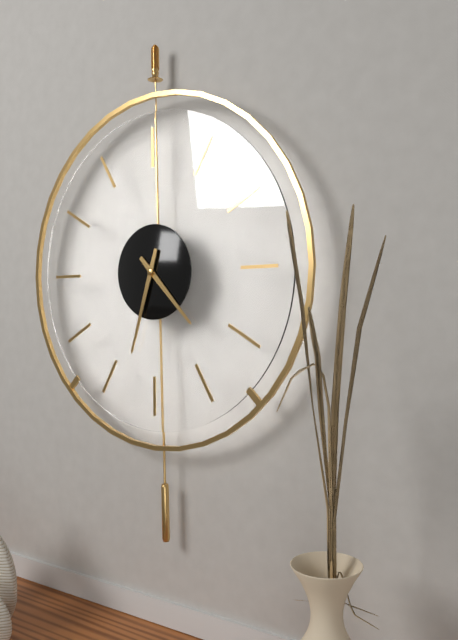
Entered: 4.33
